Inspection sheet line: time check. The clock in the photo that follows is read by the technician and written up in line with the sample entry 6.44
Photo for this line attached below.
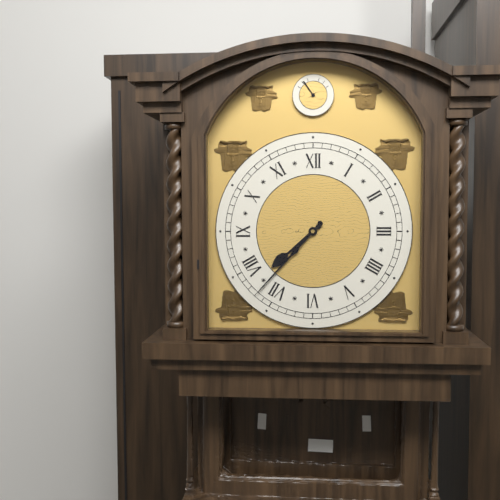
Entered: 7.37
